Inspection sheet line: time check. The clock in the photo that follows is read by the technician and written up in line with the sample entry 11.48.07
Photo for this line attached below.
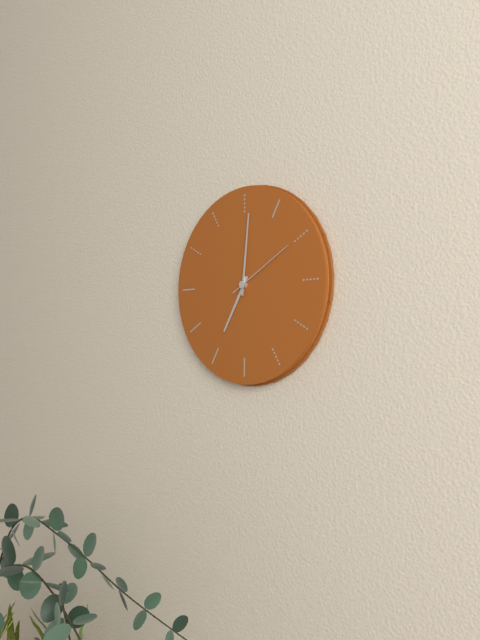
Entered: 7.01.10
